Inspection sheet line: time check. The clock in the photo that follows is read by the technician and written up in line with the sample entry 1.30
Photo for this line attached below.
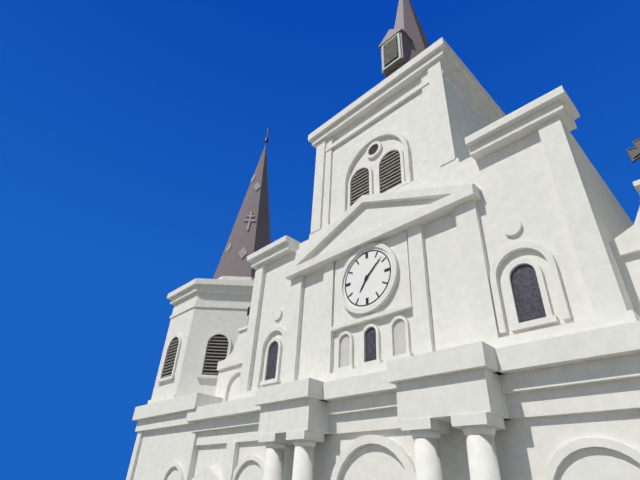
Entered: 7.08
